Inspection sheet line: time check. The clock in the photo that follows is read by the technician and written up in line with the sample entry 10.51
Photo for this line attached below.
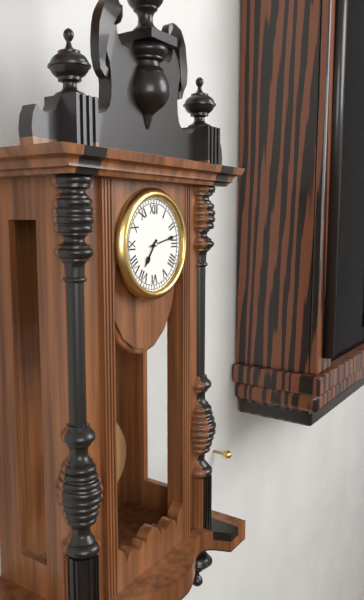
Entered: 7.13
